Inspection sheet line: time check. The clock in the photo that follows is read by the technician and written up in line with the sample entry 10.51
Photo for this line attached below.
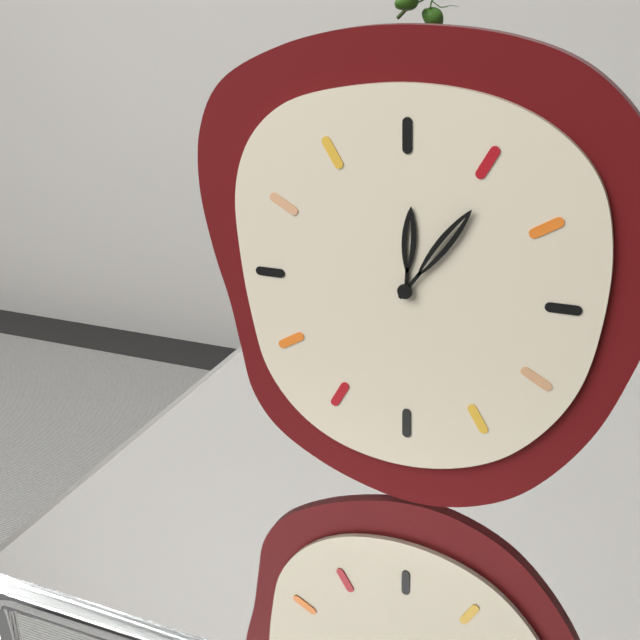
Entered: 12.06
